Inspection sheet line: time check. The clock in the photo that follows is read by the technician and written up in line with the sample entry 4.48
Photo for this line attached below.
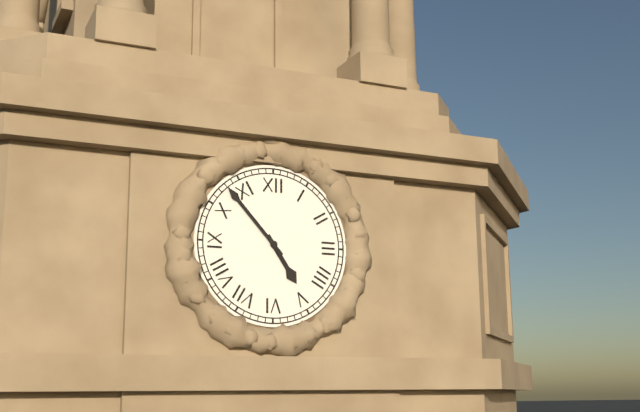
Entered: 4.53
